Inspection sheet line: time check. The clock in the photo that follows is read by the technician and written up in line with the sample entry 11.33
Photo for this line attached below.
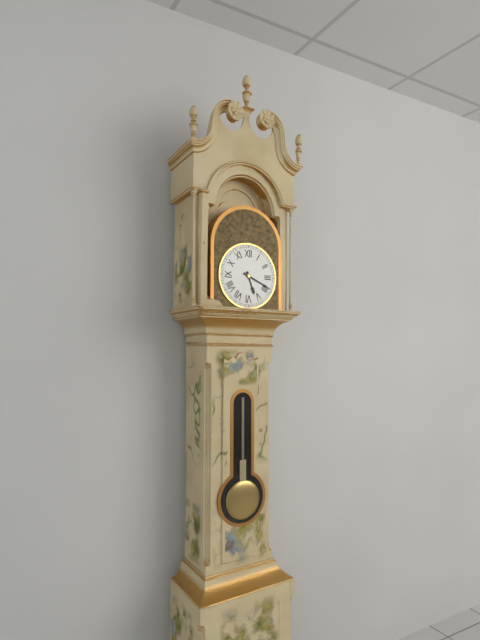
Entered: 5.19
